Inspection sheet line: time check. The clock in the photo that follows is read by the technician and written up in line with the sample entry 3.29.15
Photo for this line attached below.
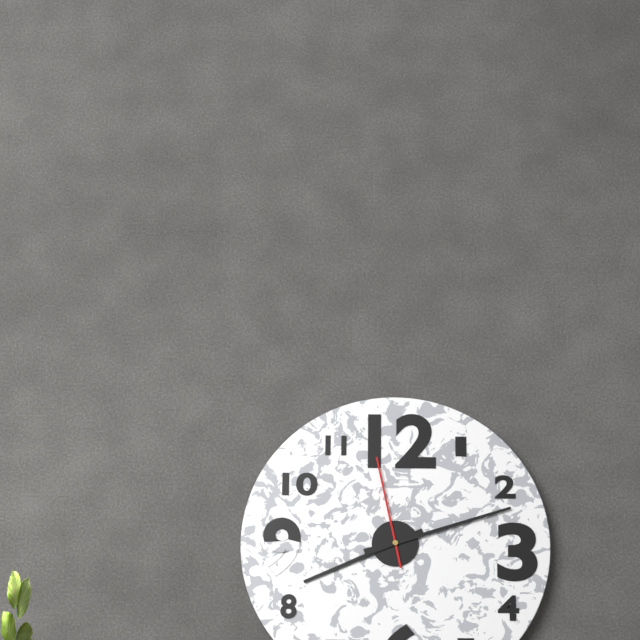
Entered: 8.12.58
